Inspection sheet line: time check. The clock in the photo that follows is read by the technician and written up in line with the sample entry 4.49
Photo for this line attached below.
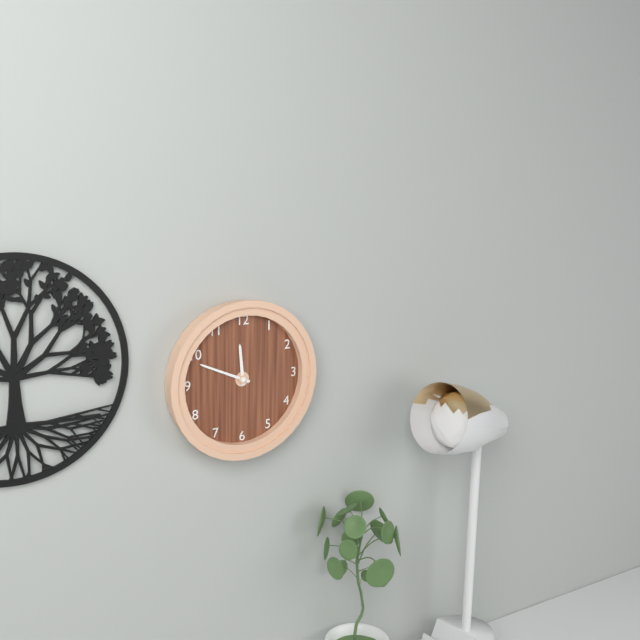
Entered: 11.49
